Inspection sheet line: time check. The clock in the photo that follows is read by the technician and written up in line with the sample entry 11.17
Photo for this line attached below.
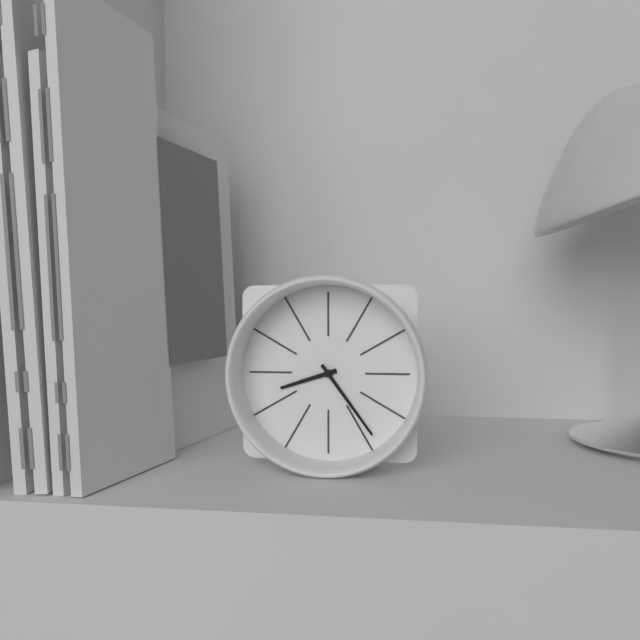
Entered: 8.24
